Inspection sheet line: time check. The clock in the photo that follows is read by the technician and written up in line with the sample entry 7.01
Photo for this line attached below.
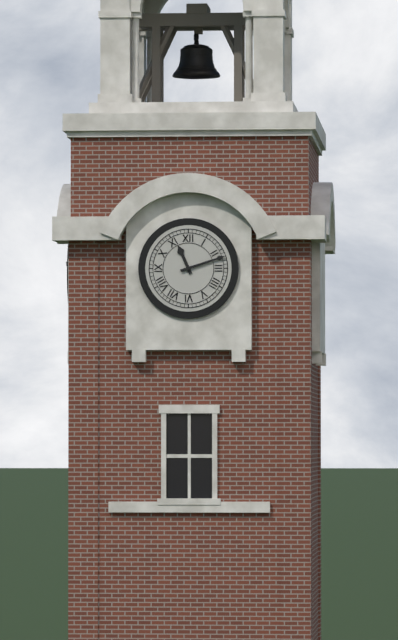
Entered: 11.12
